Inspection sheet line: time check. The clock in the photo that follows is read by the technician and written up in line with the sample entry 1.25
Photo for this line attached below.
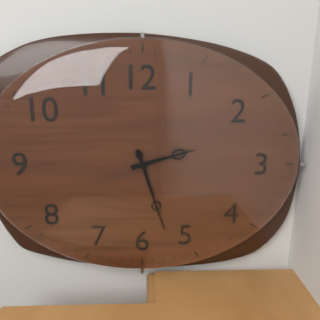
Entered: 2.27
